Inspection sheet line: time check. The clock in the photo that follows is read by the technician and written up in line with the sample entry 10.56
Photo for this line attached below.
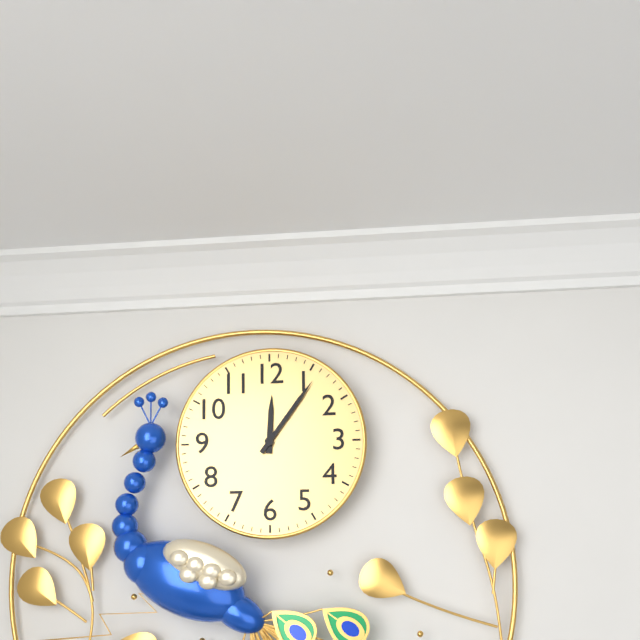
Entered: 12.06
